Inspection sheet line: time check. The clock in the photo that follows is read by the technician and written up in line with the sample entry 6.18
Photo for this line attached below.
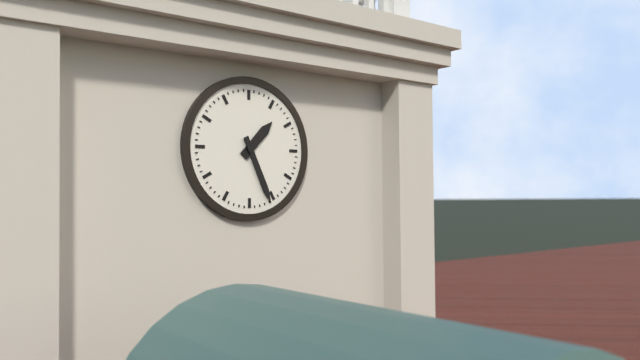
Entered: 1.26
